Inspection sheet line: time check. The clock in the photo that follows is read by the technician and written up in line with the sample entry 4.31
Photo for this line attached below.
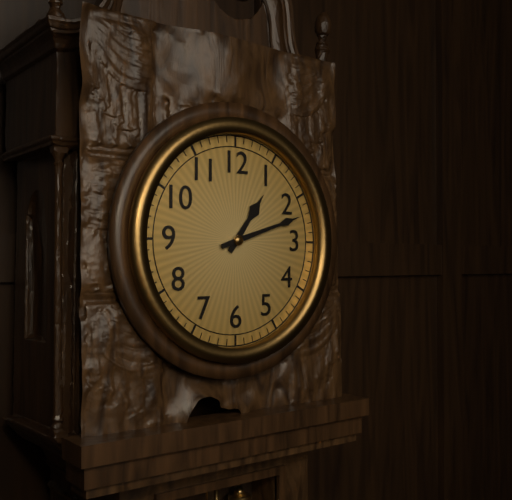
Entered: 1.12
